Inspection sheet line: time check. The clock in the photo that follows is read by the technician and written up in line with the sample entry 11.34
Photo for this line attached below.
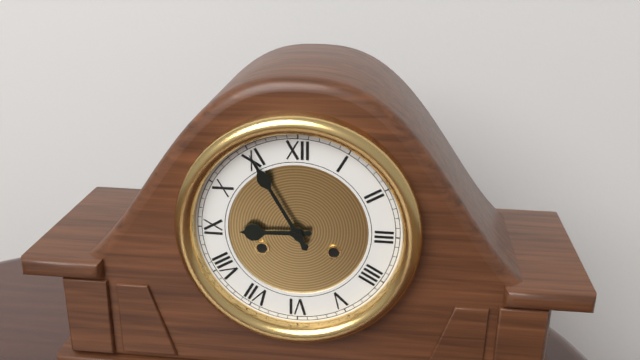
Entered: 8.55
